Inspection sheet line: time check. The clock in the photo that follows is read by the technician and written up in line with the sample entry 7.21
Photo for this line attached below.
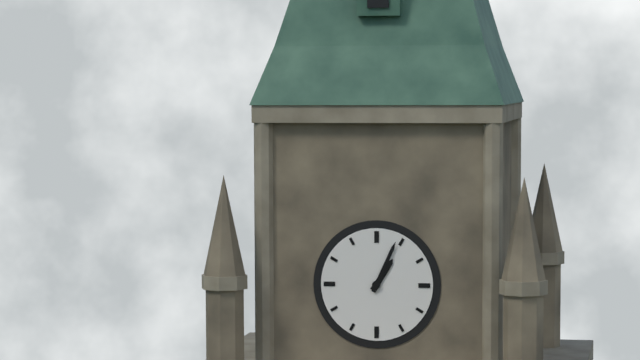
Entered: 1.04
